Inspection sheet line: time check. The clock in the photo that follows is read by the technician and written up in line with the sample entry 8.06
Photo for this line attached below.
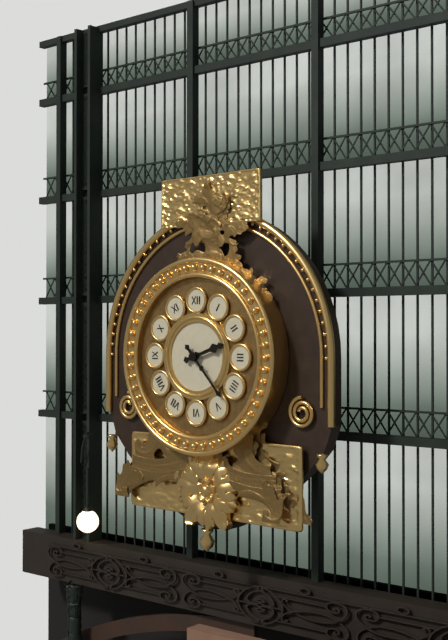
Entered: 2.23
